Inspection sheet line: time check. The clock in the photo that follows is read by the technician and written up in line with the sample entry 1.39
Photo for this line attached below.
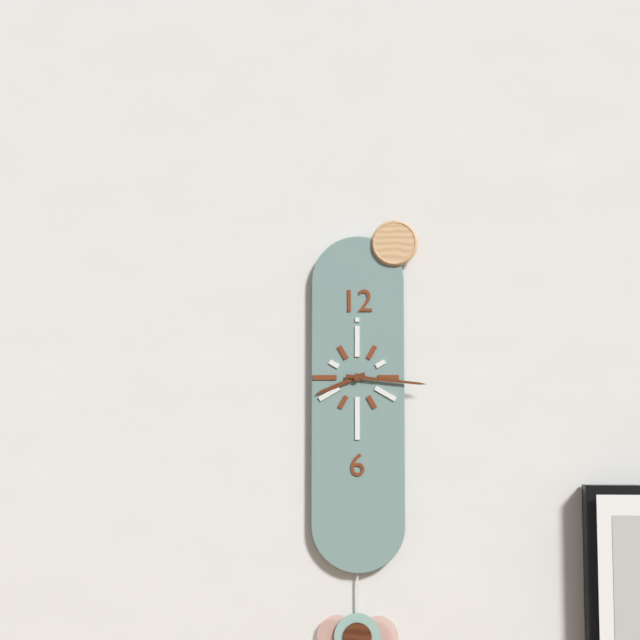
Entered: 8.16
